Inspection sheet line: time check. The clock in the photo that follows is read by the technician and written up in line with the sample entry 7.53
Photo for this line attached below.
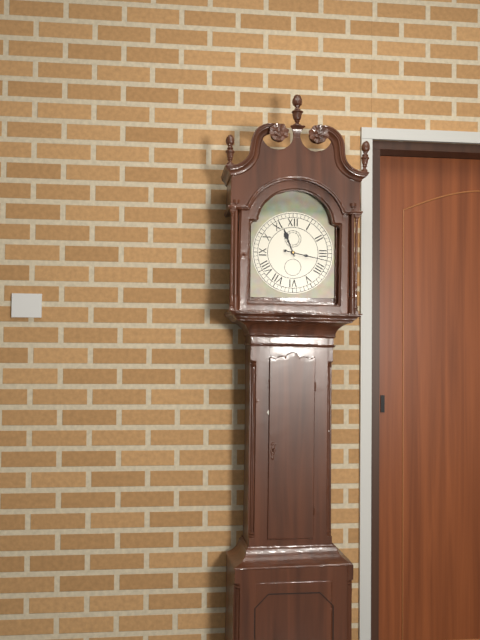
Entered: 11.17
